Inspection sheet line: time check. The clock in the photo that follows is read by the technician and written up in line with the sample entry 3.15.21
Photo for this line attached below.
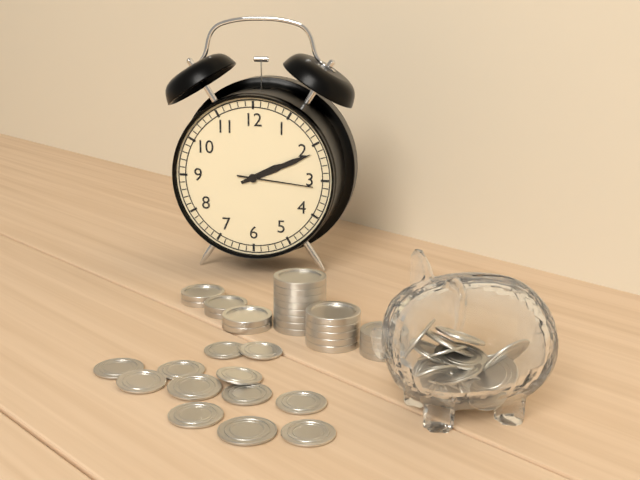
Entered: 2.11.16
